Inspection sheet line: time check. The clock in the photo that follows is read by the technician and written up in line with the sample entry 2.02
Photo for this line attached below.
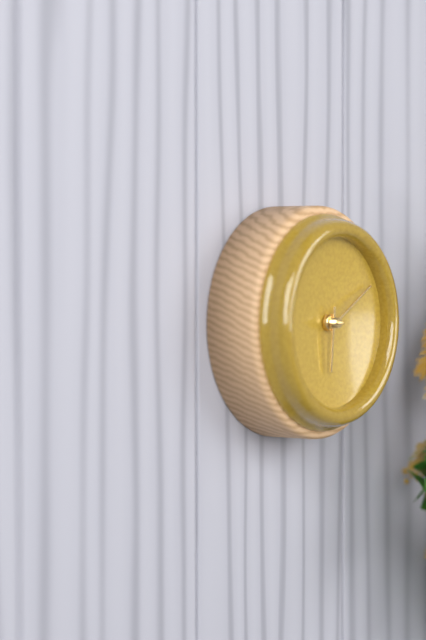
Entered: 6.10
